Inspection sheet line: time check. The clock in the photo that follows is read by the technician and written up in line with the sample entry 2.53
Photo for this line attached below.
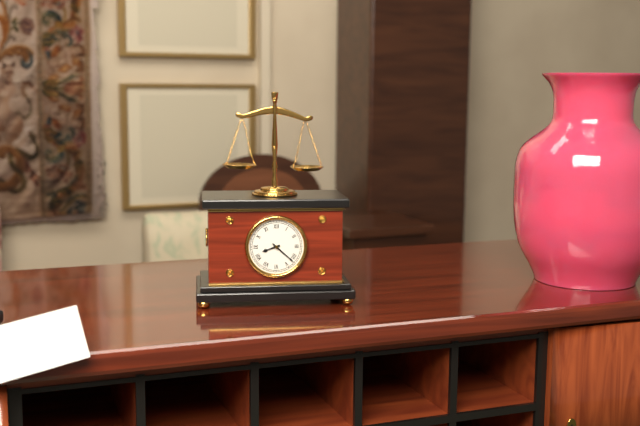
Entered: 8.22
